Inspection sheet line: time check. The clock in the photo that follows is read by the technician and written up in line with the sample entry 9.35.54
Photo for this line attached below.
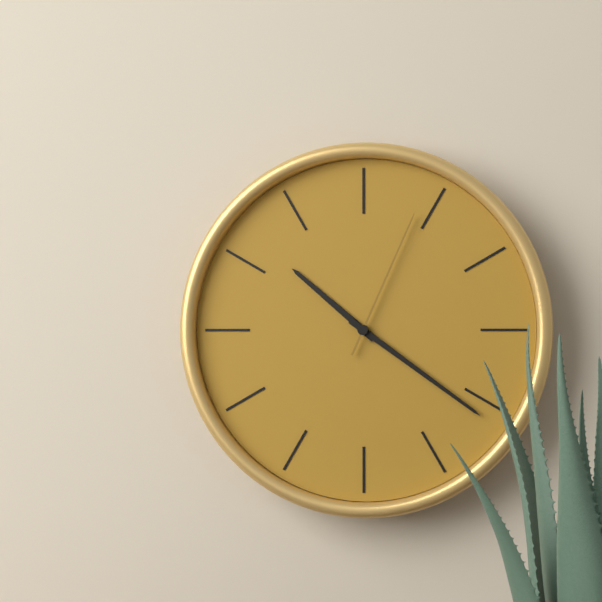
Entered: 10.21.04
